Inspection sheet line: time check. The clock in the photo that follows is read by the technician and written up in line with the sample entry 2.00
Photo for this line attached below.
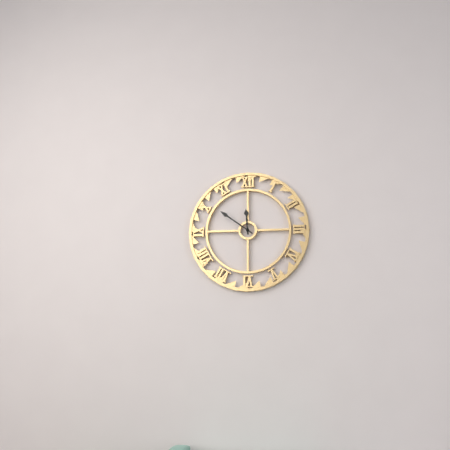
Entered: 11.51
